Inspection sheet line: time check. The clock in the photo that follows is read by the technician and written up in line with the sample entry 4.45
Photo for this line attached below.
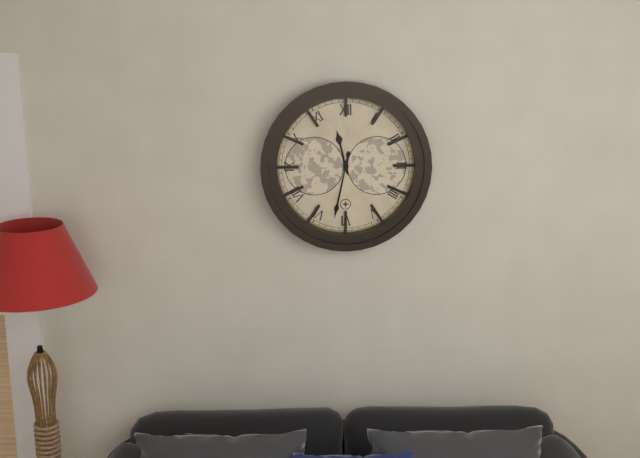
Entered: 11.32
